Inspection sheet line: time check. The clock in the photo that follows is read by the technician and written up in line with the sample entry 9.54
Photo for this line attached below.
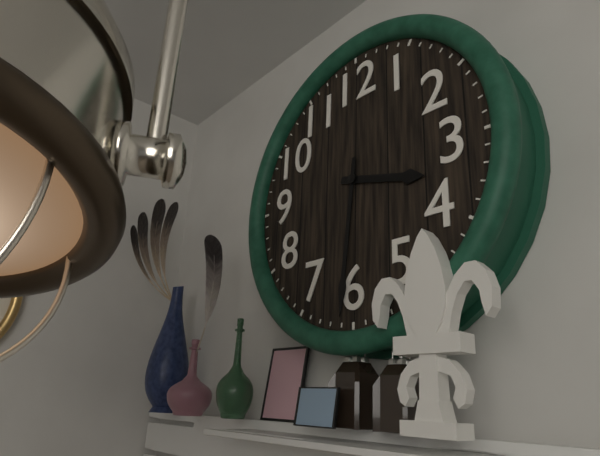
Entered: 3.31
